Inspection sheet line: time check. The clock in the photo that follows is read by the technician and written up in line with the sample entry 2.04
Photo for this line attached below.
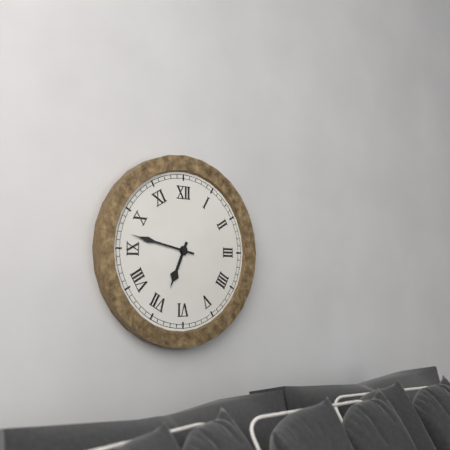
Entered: 6.47
